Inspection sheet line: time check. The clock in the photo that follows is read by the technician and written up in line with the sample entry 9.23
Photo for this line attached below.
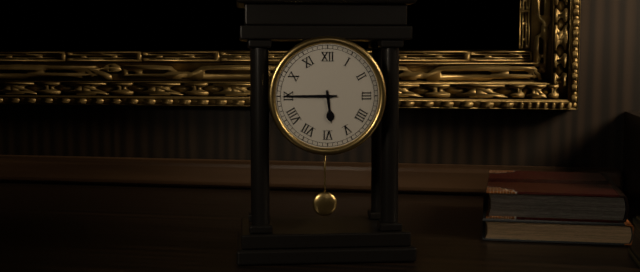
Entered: 5.45
